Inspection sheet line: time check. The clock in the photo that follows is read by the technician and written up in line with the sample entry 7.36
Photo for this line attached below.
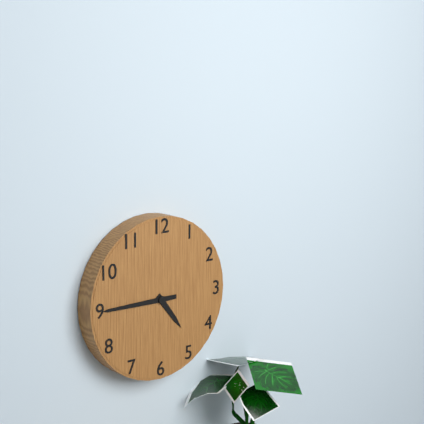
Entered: 4.45
